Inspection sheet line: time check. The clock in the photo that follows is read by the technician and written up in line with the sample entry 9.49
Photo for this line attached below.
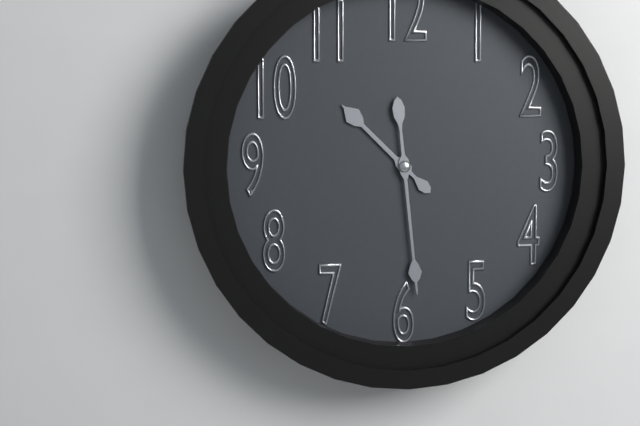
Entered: 10.29
